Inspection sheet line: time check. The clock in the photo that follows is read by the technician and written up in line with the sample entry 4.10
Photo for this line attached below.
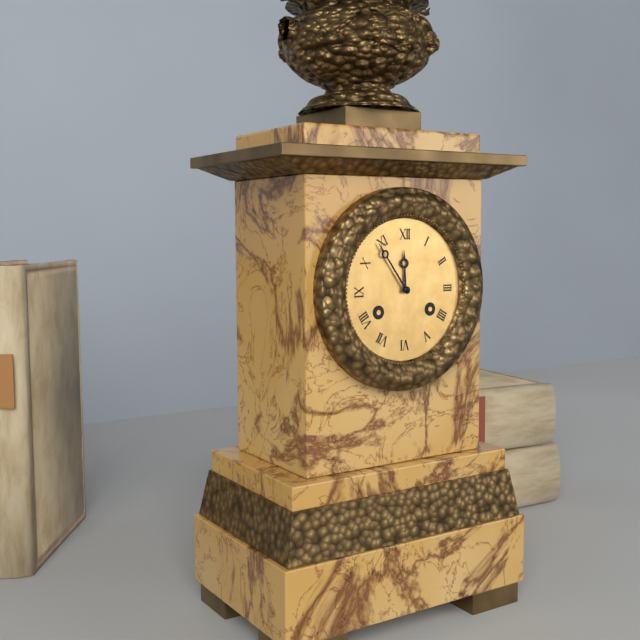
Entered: 11.54
